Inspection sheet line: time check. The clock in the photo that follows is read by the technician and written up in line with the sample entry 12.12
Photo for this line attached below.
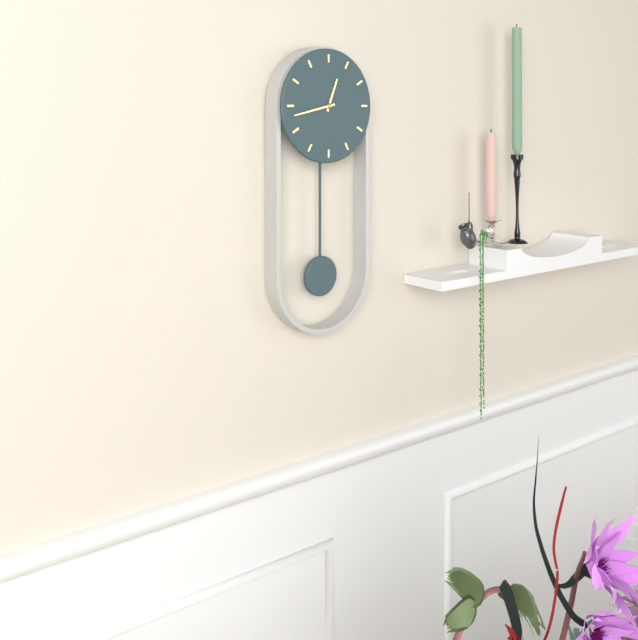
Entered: 12.43
